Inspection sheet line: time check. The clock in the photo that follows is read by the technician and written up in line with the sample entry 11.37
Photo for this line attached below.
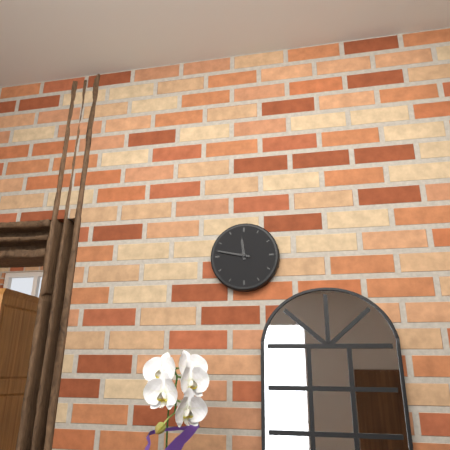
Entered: 11.47
